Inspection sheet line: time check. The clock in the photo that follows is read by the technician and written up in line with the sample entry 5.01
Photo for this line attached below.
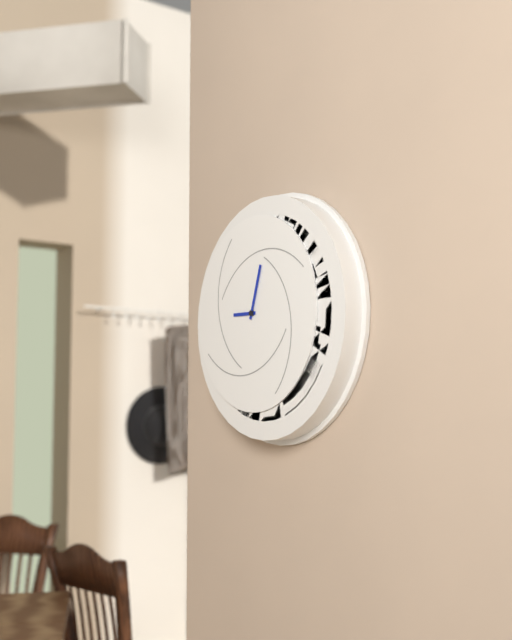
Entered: 9.03
